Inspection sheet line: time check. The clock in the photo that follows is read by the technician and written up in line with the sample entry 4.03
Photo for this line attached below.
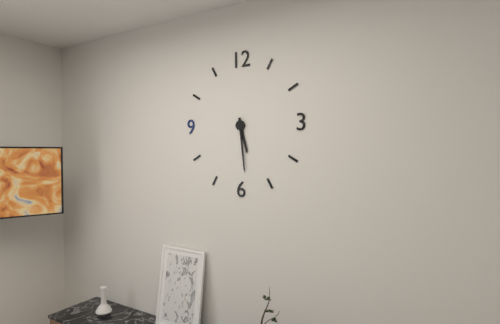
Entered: 5.29
